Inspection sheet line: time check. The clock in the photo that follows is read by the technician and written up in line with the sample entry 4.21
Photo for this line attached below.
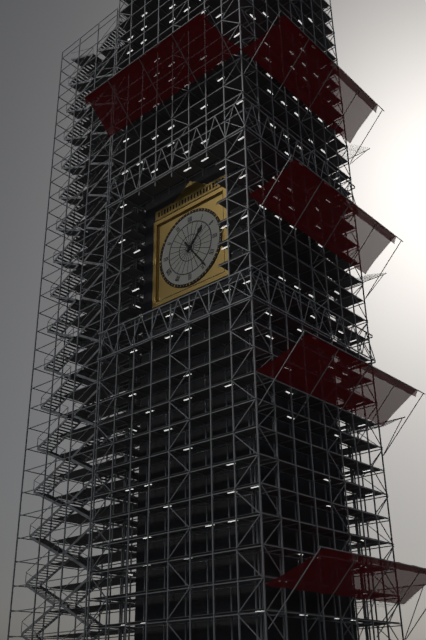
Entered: 1.24
